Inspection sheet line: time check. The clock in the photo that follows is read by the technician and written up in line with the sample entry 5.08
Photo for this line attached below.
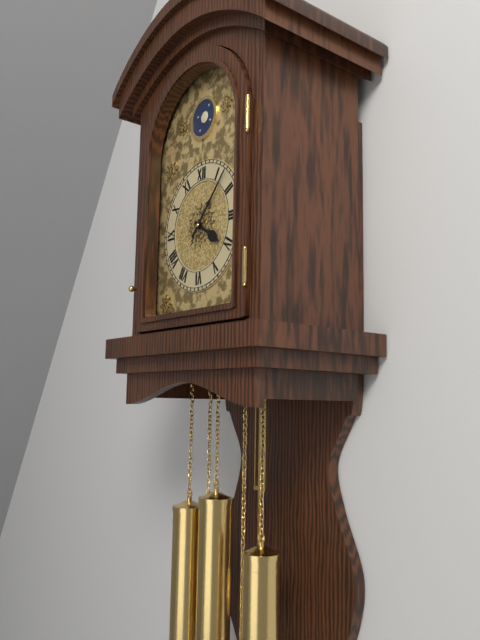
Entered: 4.07
